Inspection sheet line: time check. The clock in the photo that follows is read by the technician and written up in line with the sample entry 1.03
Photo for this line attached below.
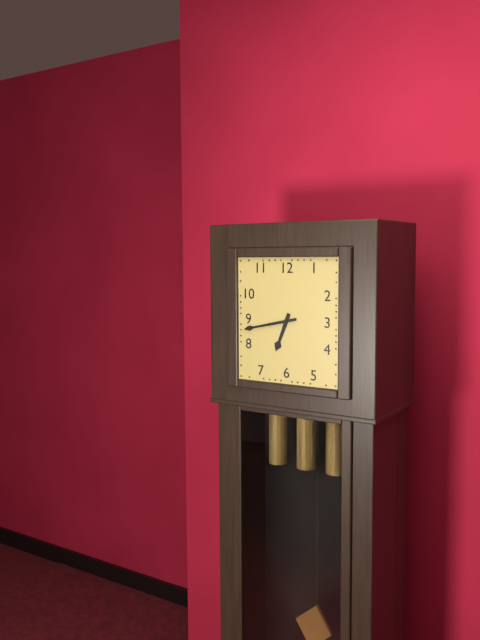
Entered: 6.43
